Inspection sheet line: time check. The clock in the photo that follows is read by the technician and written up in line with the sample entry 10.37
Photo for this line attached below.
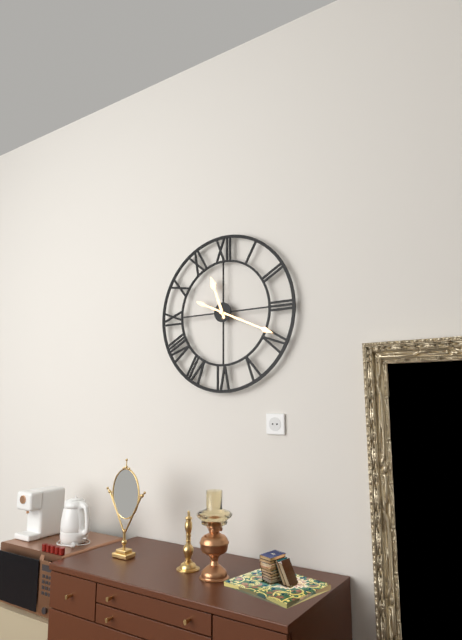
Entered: 11.19
